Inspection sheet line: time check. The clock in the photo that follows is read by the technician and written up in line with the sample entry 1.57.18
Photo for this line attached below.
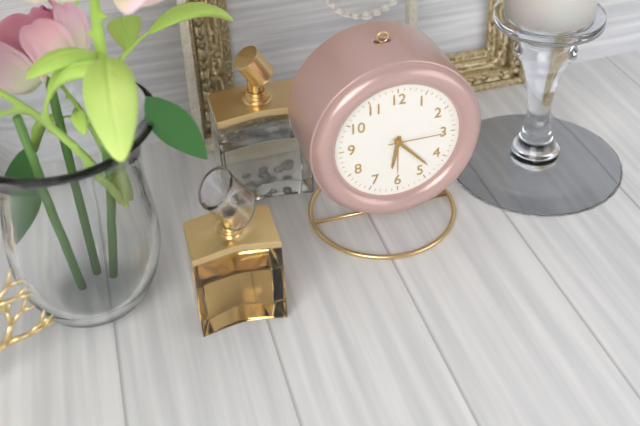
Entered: 6.23.15
